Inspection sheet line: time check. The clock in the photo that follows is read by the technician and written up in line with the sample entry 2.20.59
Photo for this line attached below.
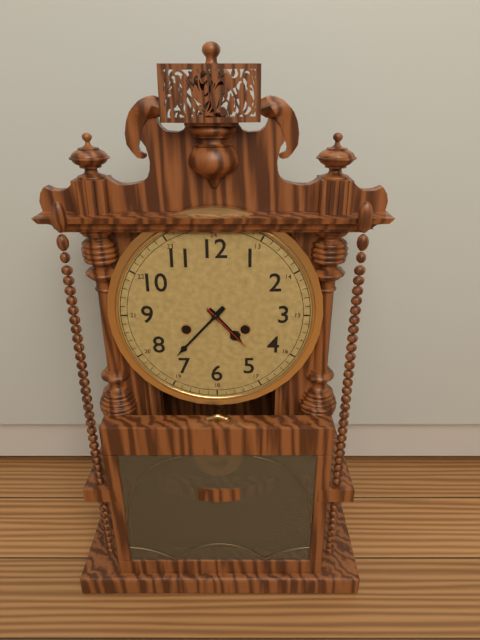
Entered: 4.37.23
